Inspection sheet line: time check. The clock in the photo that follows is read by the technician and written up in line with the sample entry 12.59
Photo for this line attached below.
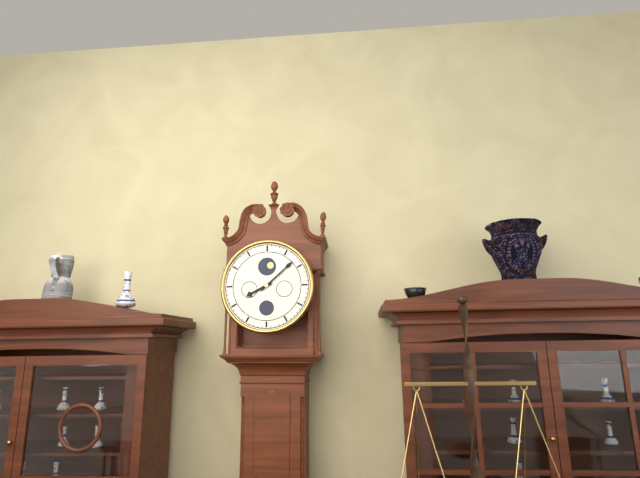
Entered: 8.08
